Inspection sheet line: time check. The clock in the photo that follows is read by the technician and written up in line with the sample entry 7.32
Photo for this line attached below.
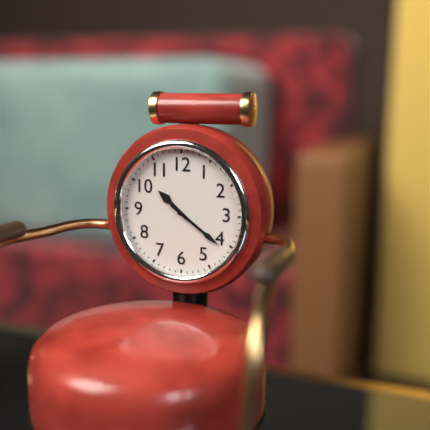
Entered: 10.21
